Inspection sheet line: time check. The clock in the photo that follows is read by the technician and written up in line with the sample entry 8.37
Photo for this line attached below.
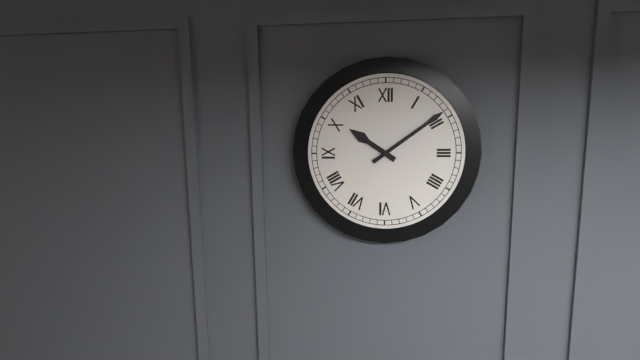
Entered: 10.09
